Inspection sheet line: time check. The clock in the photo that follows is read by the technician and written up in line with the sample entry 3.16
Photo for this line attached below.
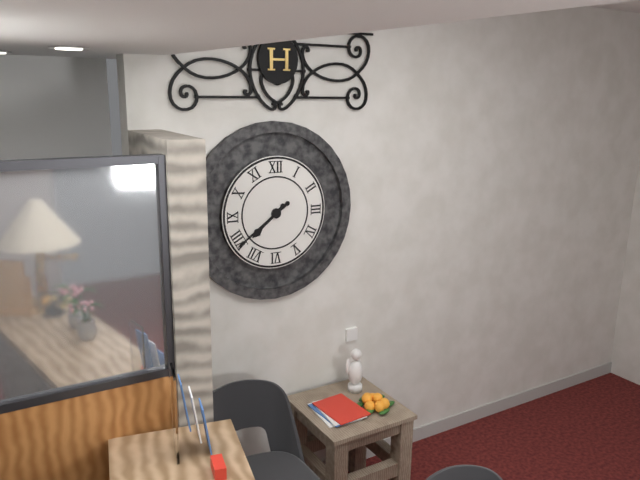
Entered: 7.39
